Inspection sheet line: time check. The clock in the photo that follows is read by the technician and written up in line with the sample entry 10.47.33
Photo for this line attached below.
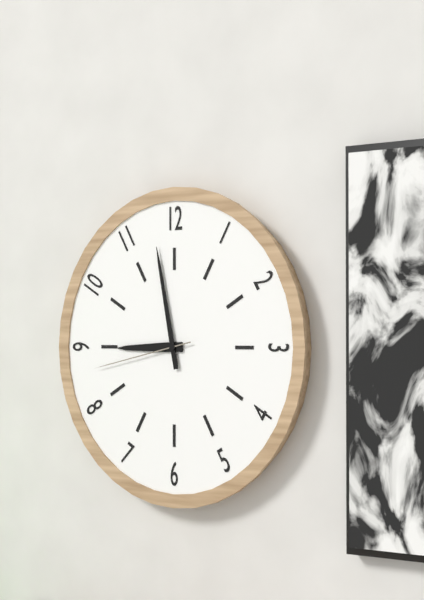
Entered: 8.58.43
